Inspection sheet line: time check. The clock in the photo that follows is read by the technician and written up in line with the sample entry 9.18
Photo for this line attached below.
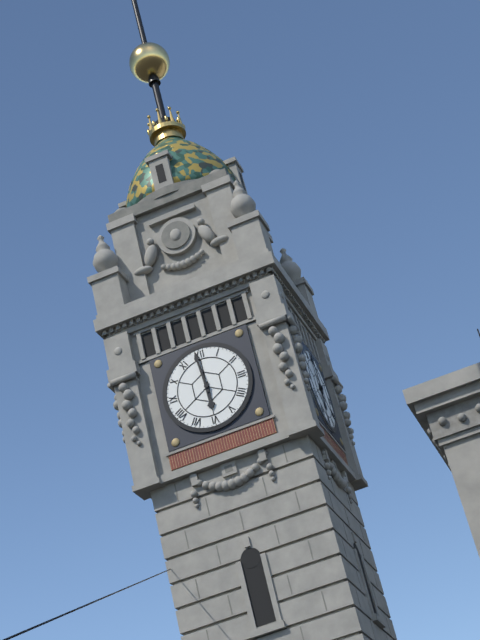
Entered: 5.59
